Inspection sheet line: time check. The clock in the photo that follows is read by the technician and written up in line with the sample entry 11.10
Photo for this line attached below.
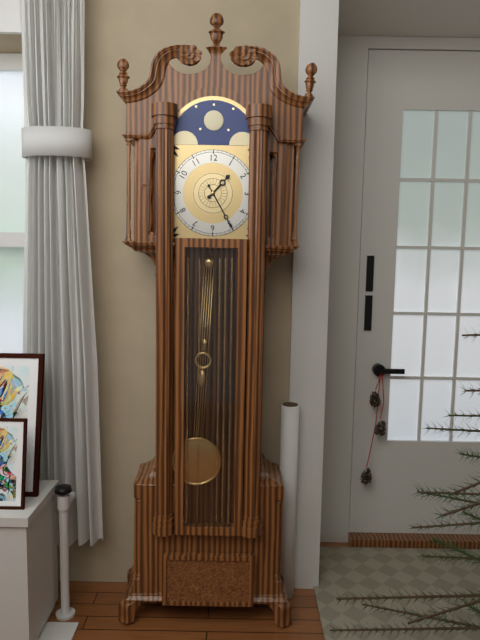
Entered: 1.25
